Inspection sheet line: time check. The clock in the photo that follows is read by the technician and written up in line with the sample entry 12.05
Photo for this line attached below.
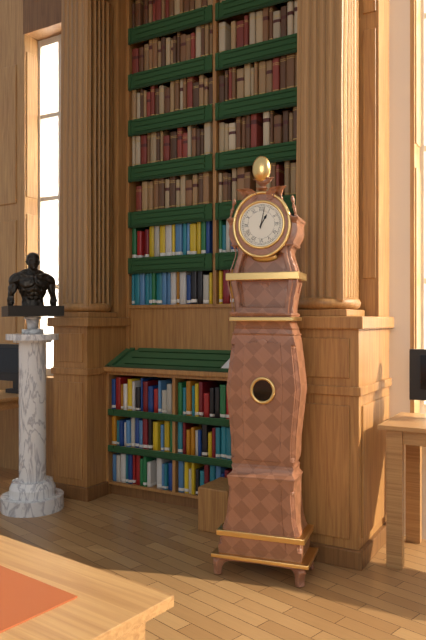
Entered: 1.02
